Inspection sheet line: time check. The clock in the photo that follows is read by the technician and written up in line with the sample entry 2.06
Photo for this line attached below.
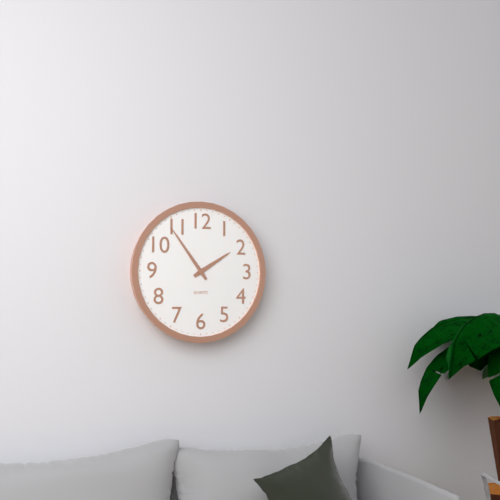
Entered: 1.54
